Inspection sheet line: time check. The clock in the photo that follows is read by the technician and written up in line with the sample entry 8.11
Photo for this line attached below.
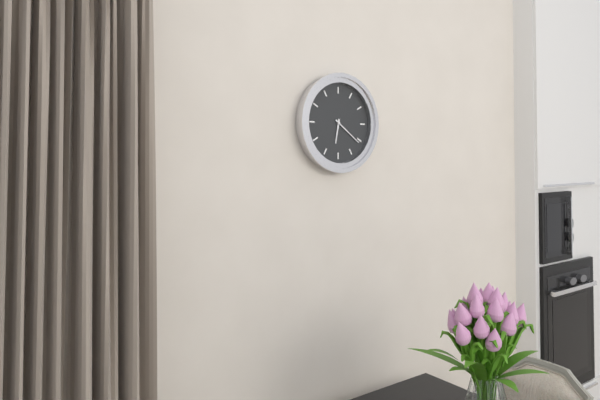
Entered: 6.21
